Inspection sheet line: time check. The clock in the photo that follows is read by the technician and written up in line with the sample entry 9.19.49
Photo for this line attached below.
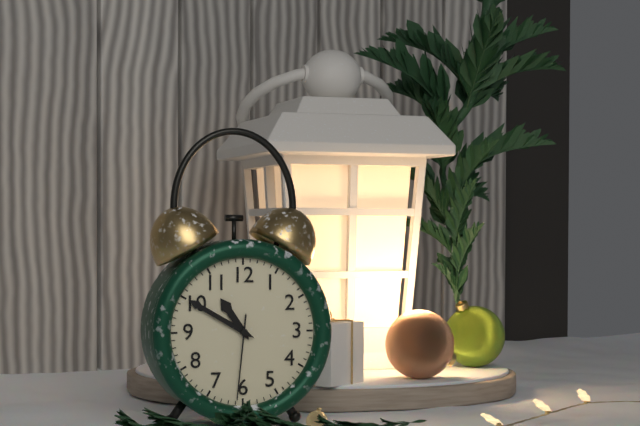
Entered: 10.50.31
